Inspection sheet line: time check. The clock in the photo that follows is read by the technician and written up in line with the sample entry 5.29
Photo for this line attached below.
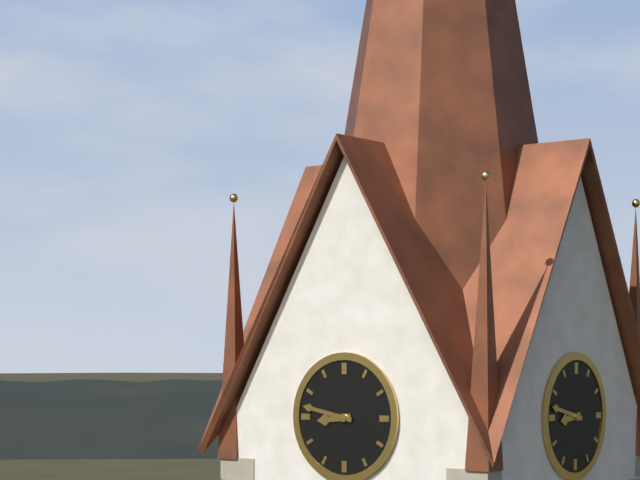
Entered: 8.47
